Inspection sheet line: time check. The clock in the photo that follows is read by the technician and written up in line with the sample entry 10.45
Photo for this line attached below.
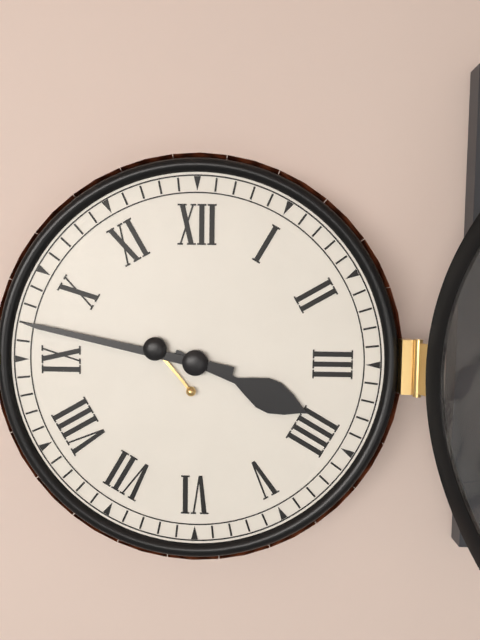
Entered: 3.47
